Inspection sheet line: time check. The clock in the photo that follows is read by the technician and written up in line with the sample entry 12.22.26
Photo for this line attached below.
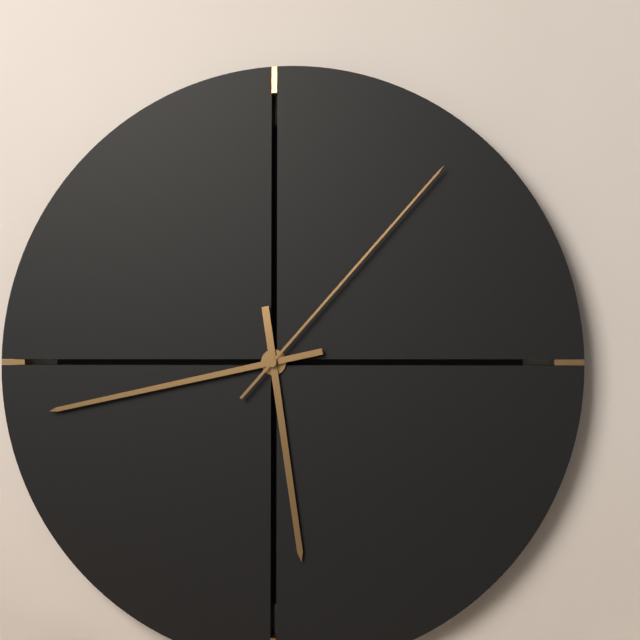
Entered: 5.43.07
